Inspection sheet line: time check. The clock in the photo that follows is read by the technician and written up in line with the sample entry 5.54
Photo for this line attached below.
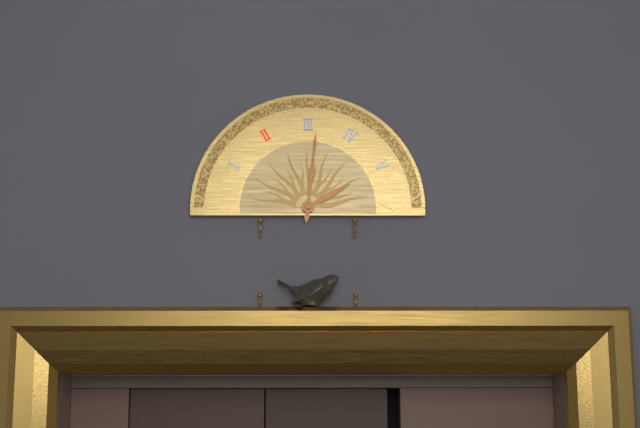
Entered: 2.01
